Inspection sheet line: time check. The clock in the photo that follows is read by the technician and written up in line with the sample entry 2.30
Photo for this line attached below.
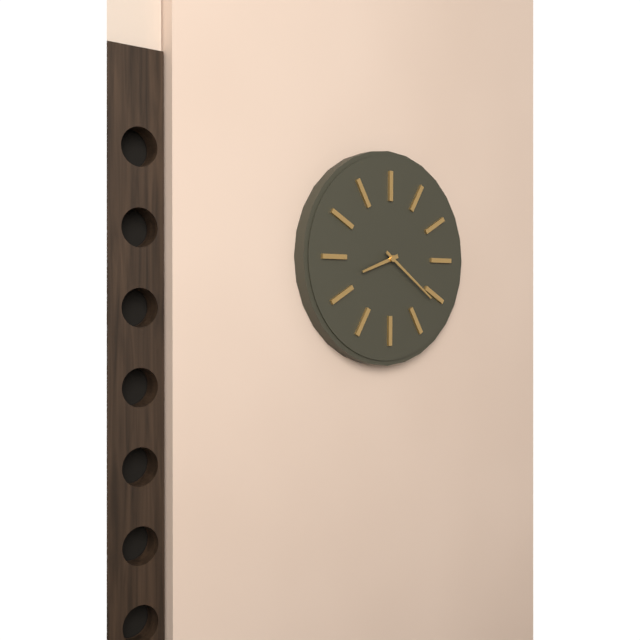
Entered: 8.21
